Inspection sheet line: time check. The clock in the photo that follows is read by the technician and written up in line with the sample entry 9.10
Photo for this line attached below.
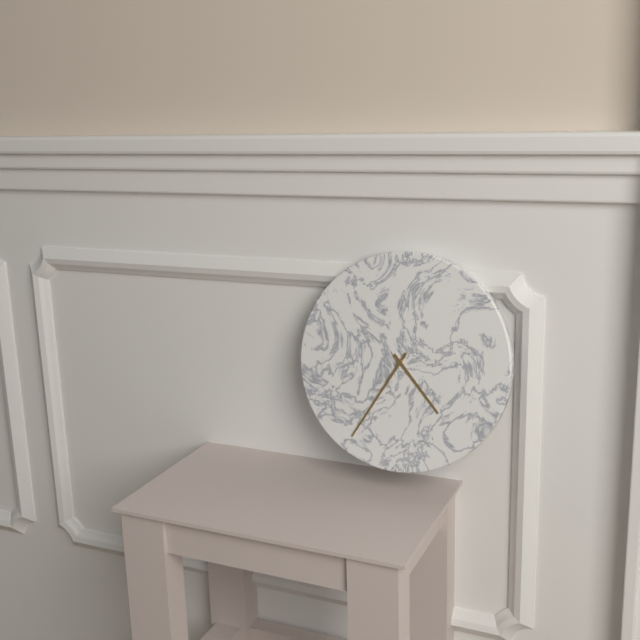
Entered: 4.35
